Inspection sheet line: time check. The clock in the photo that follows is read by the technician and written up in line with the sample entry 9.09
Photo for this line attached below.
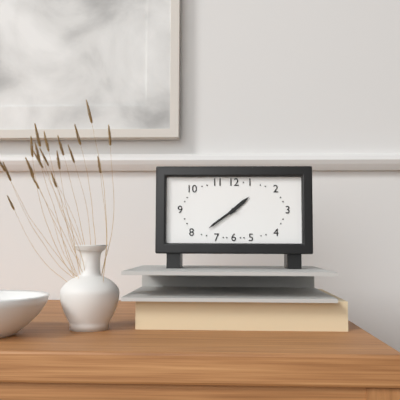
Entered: 1.39
